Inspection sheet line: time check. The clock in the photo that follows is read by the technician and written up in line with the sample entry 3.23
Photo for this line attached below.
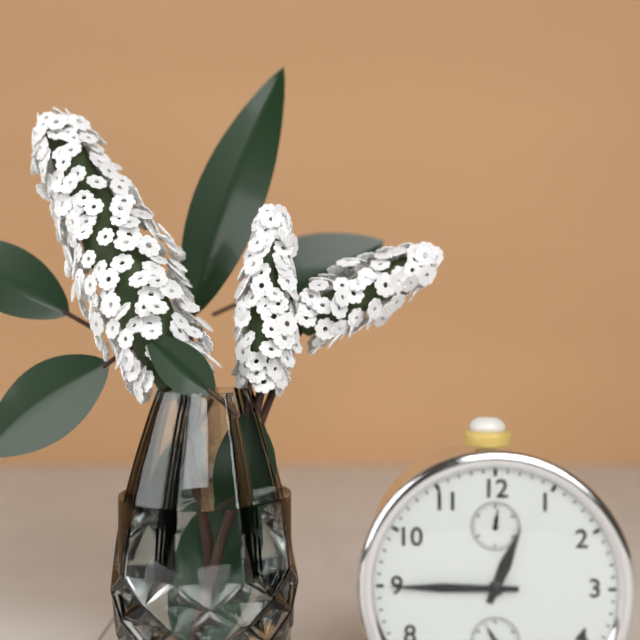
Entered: 12.45
